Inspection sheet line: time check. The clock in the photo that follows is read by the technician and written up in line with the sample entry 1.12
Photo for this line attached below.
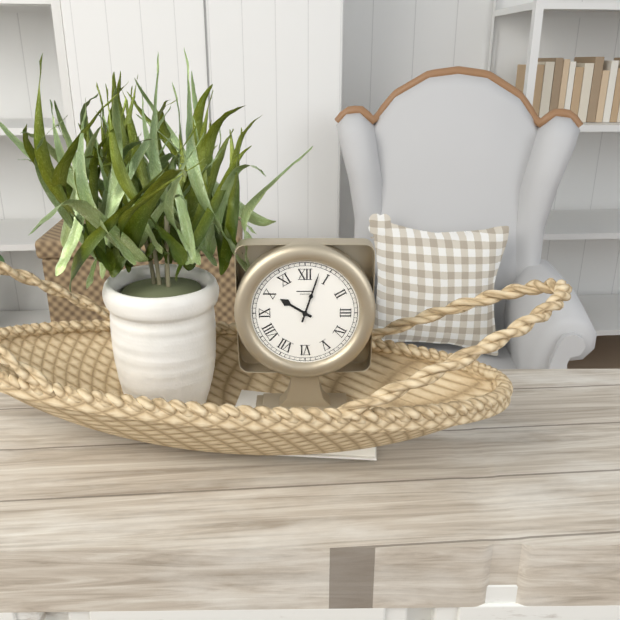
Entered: 10.03
